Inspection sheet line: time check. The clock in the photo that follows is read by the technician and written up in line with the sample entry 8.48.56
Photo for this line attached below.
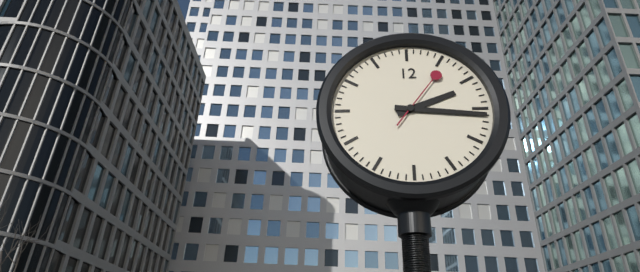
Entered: 2.16.06
